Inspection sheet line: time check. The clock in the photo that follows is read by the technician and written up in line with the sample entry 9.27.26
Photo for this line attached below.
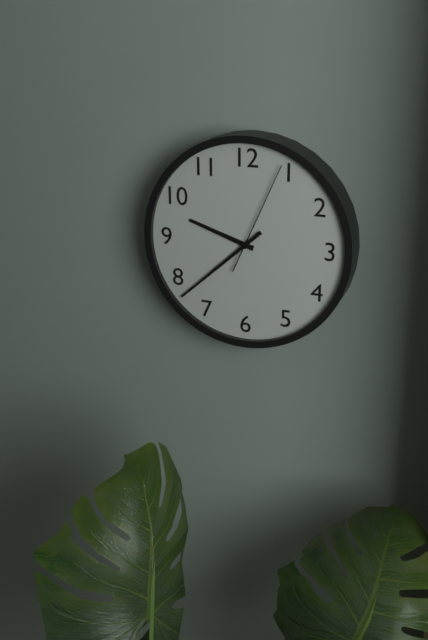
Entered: 9.38.04
